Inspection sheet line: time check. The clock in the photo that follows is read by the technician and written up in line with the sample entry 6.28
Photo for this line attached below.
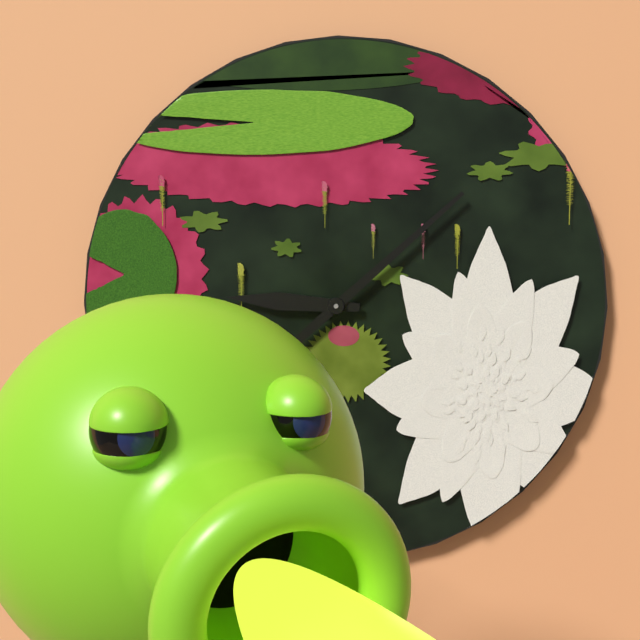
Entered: 9.08
